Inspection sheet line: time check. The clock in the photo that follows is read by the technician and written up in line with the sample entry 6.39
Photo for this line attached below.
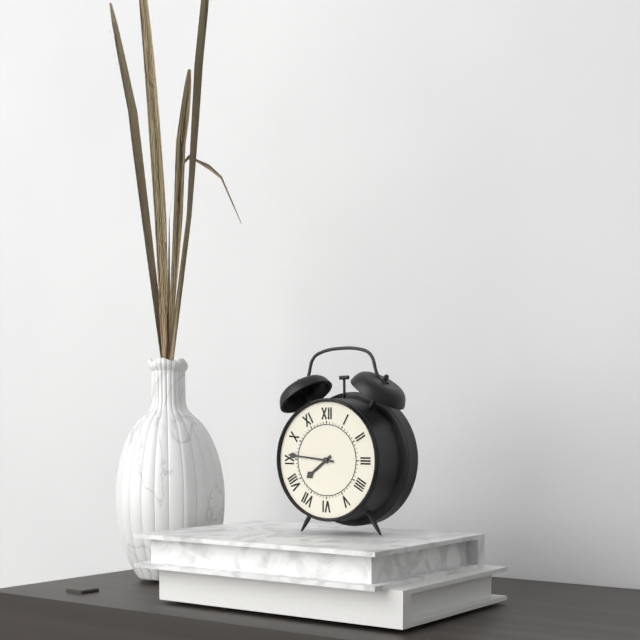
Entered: 7.46
